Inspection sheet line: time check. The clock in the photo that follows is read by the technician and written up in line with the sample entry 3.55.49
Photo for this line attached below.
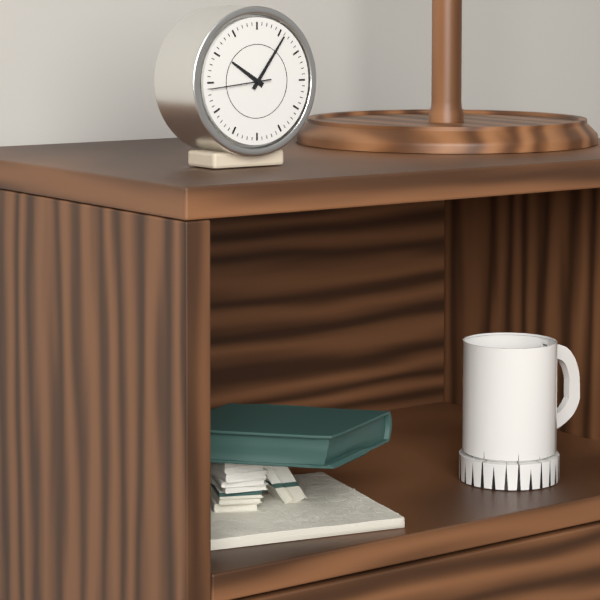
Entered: 10.06.44
